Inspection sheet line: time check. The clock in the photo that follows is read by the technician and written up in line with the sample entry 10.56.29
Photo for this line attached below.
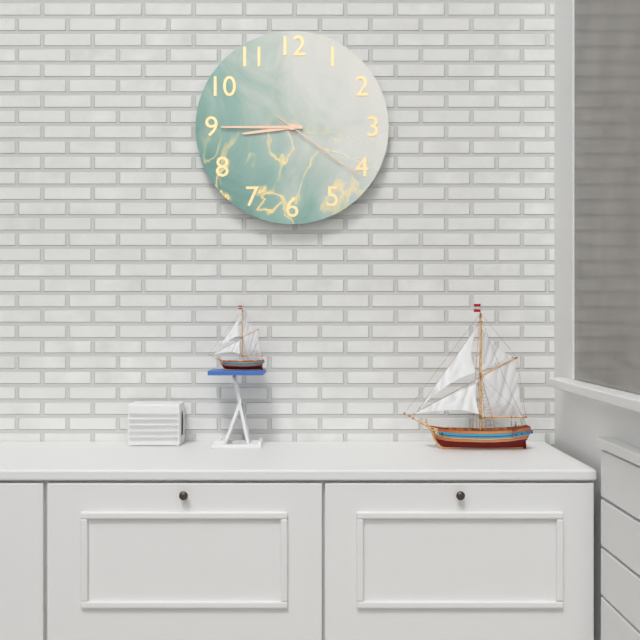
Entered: 8.45.21
